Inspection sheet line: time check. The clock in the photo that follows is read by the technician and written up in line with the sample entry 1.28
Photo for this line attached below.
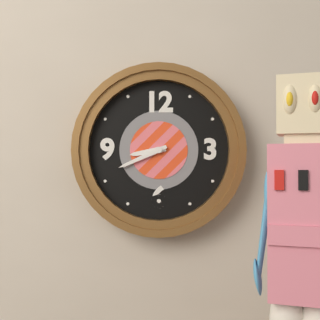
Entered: 8.41
